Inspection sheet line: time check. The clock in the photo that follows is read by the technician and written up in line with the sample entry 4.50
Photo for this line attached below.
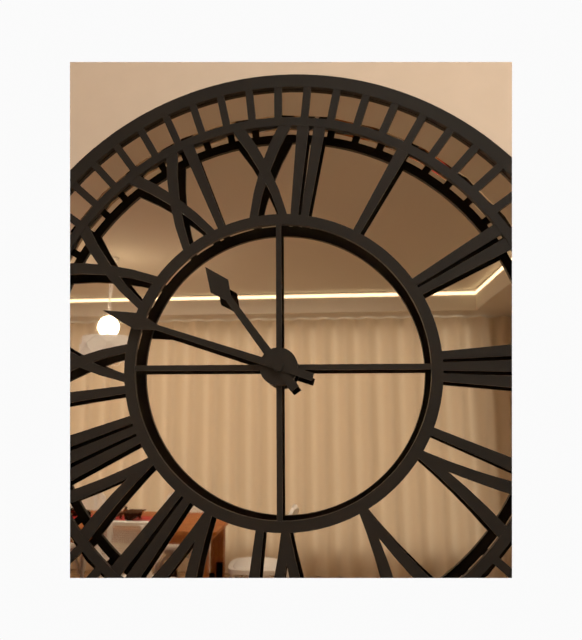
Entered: 10.48
